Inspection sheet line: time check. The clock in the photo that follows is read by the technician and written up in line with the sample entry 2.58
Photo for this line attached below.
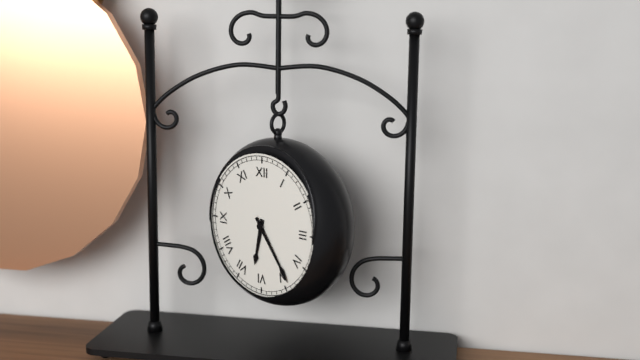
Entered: 6.24
